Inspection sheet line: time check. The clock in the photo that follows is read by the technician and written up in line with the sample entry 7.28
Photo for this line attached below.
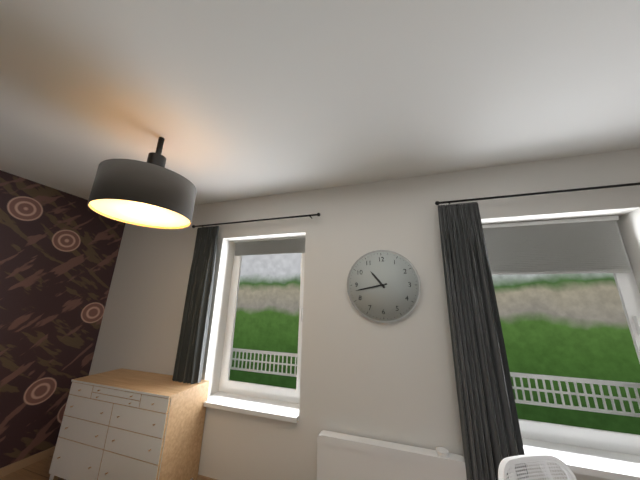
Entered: 10.43
